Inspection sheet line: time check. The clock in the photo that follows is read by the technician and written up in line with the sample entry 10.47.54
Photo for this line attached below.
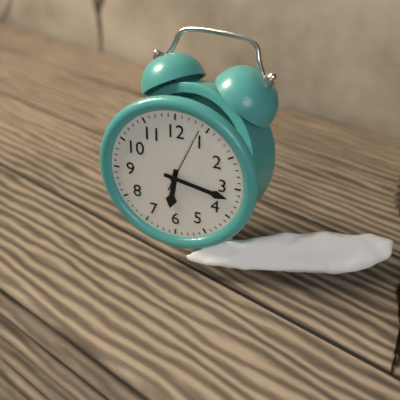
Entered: 6.17.04
